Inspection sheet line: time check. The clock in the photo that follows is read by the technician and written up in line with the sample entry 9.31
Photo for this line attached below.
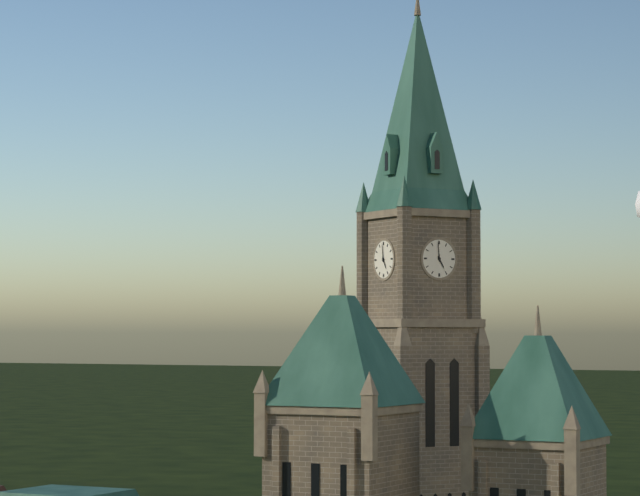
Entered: 4.59
